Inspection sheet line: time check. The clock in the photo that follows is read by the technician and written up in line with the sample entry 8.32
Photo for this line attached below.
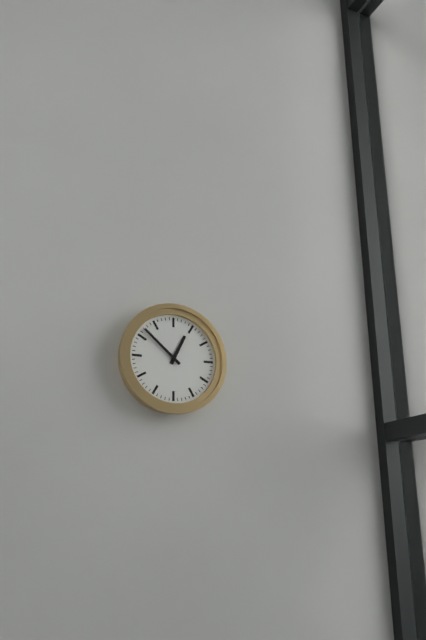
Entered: 12.52
